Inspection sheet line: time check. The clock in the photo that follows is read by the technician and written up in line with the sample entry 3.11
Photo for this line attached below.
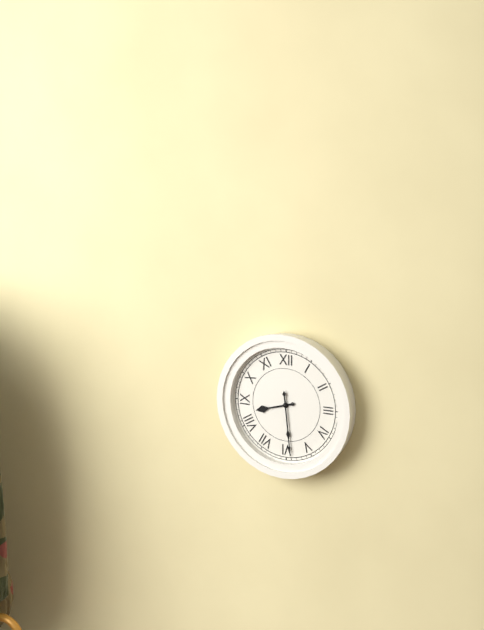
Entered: 8.29
